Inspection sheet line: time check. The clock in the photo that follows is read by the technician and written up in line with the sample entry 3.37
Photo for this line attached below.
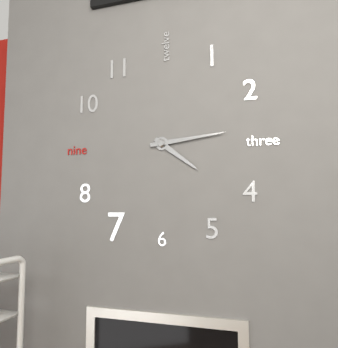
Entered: 4.14
